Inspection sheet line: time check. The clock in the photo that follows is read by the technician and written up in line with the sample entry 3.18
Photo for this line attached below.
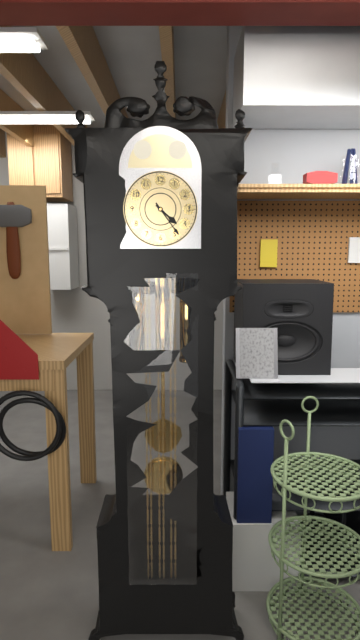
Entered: 4.24
